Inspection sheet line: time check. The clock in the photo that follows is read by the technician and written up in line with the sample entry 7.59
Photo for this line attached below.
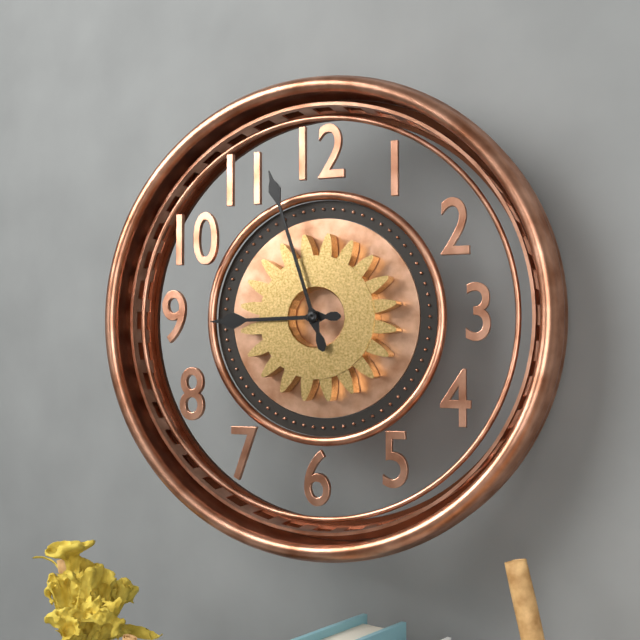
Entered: 8.57
